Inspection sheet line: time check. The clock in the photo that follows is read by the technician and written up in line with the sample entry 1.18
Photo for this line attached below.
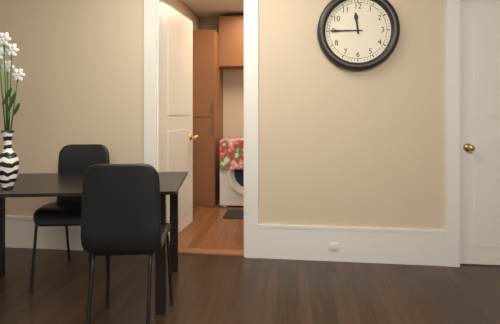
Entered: 11.45
